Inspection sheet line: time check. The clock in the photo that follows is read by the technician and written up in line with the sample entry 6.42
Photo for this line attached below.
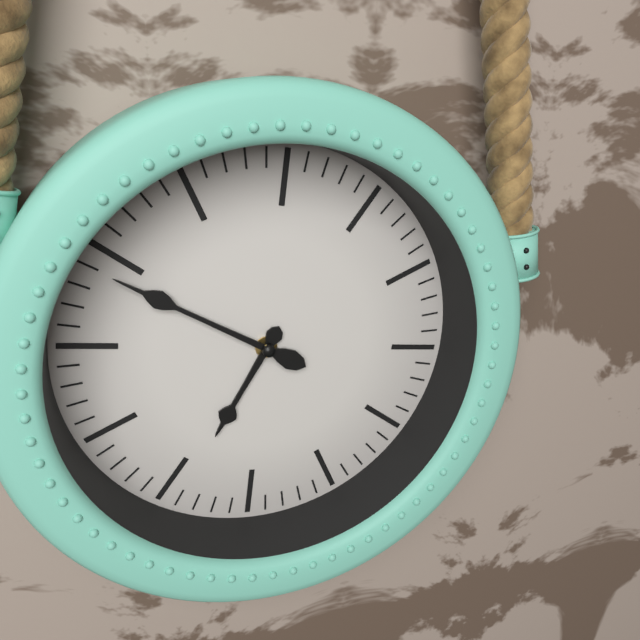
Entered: 6.49
